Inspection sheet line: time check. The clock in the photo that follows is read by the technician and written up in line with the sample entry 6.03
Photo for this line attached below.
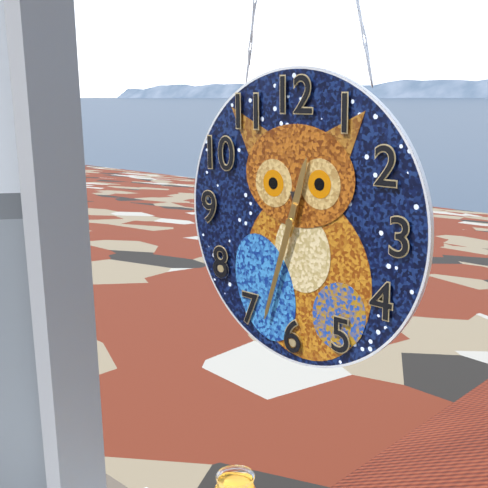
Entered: 12.33
